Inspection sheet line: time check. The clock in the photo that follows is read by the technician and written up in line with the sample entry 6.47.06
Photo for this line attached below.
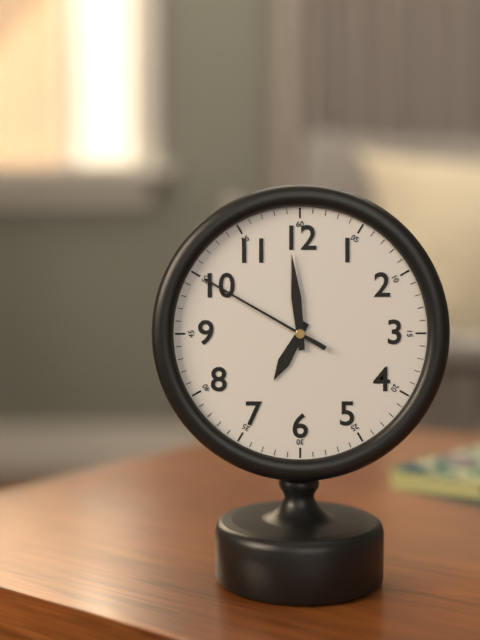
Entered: 6.59.50
